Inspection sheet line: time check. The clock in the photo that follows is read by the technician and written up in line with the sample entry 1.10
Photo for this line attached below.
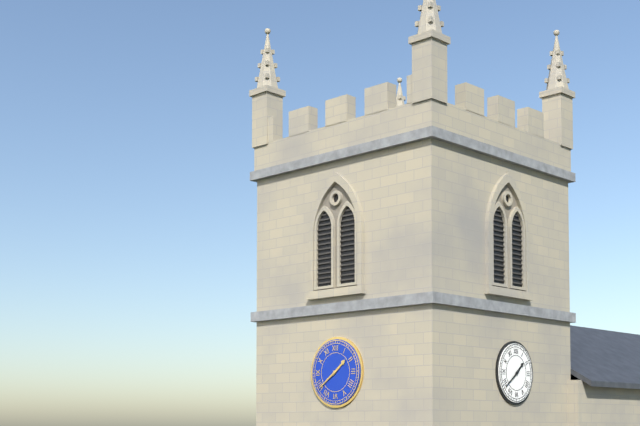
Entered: 1.39
